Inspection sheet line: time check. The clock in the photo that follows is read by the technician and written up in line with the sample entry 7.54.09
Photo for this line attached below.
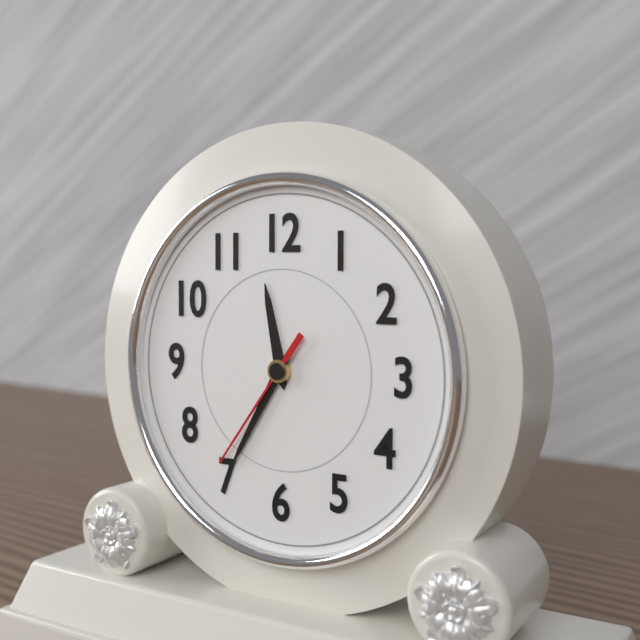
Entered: 11.35.36
